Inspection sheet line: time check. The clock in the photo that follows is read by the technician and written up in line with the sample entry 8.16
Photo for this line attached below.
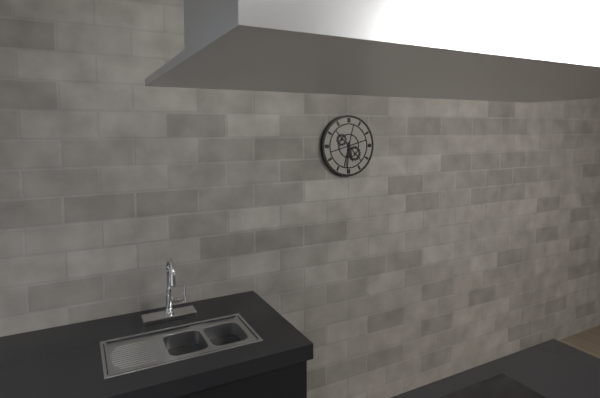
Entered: 5.31
